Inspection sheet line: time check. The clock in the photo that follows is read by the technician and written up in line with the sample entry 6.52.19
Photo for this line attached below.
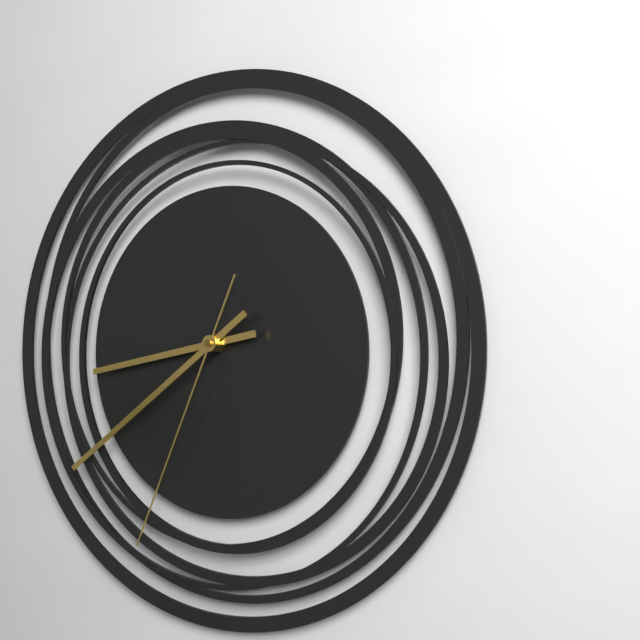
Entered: 8.39.34
